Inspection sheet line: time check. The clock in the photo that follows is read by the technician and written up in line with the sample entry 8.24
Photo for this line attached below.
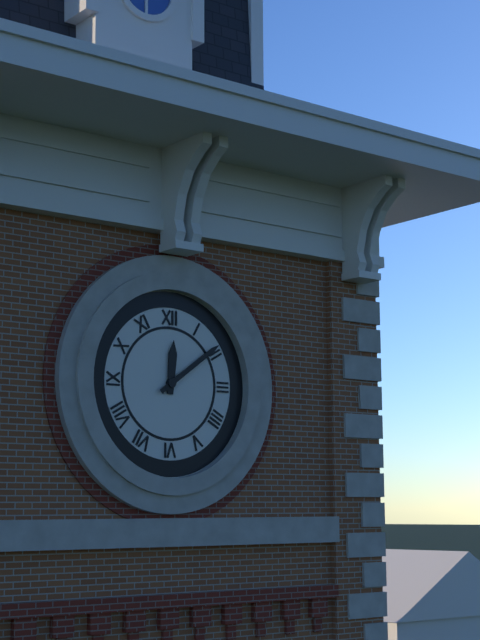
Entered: 12.09
